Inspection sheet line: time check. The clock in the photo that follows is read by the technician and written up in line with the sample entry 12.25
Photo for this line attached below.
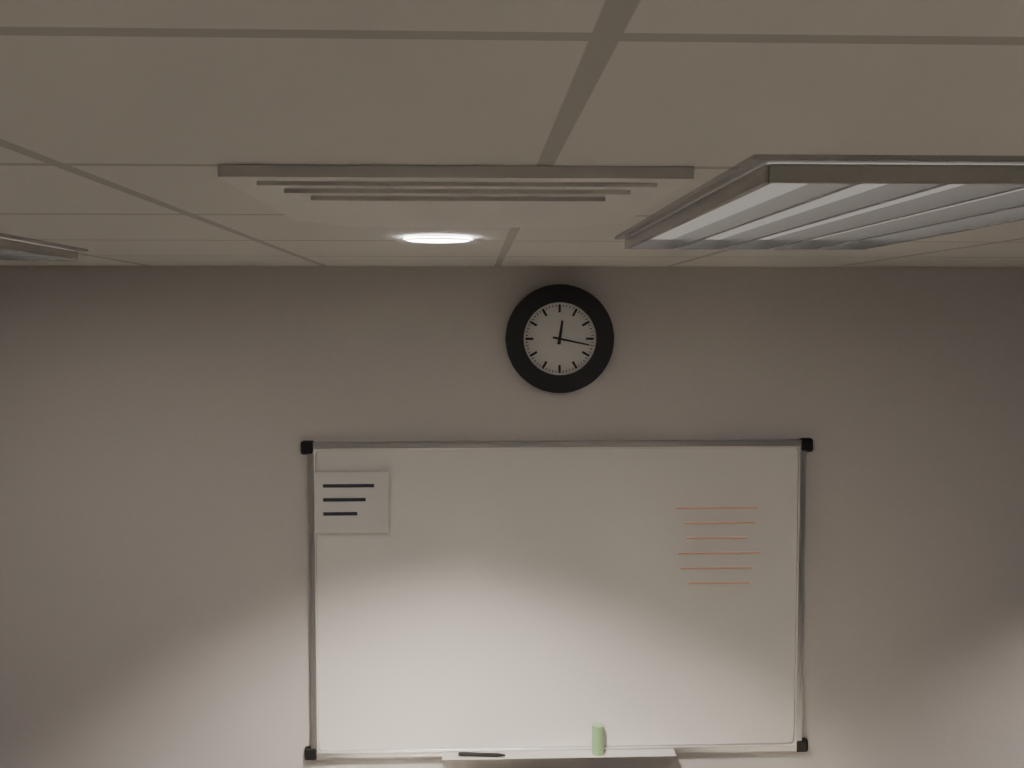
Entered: 12.17
